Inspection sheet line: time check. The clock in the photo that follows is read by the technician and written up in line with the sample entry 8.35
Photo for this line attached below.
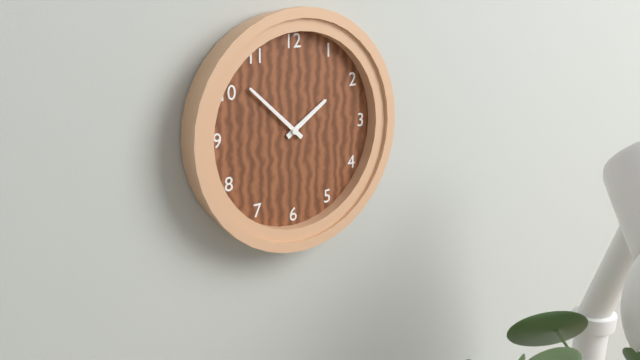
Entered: 1.52
